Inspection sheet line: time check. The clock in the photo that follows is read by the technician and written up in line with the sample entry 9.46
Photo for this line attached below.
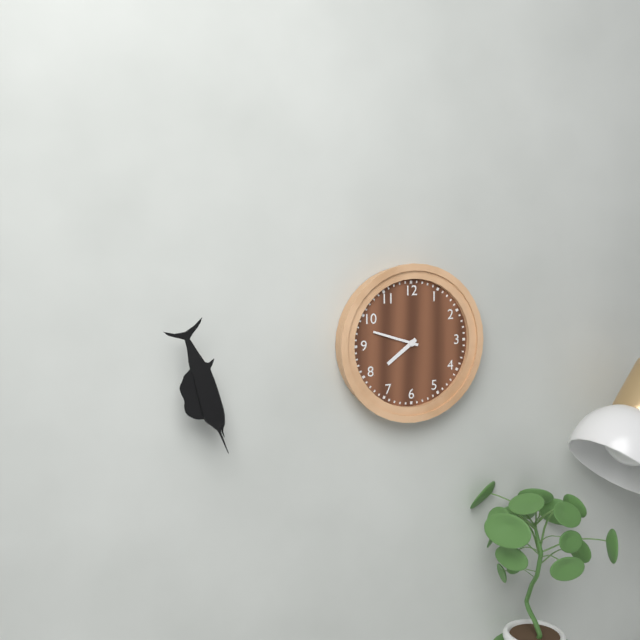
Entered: 7.48
